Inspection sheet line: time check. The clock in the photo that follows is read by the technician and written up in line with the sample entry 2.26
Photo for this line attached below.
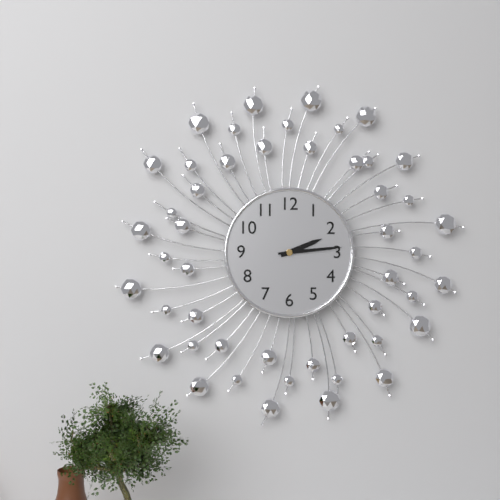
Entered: 2.14
